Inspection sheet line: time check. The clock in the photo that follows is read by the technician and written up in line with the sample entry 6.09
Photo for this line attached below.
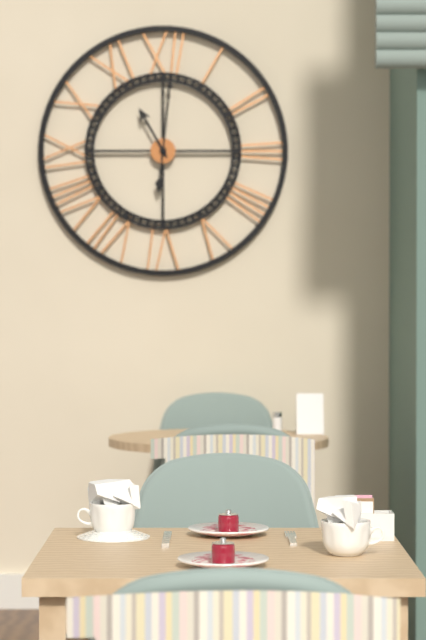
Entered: 11.01
